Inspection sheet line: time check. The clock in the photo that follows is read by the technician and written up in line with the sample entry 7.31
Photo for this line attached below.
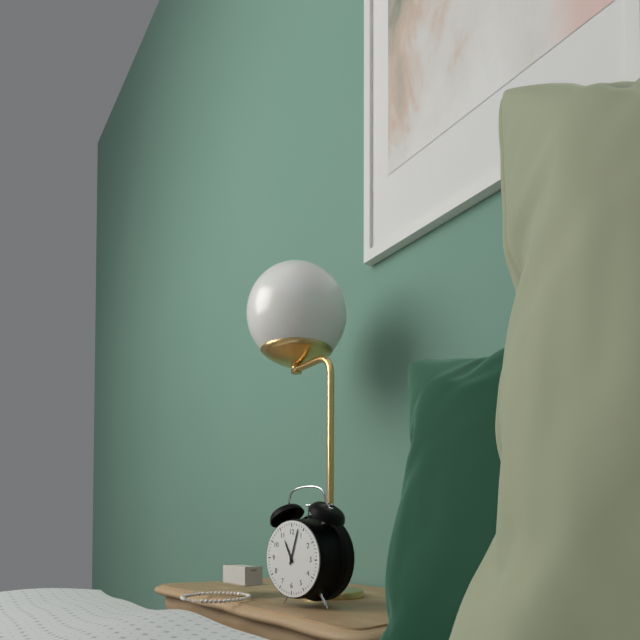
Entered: 11.03
